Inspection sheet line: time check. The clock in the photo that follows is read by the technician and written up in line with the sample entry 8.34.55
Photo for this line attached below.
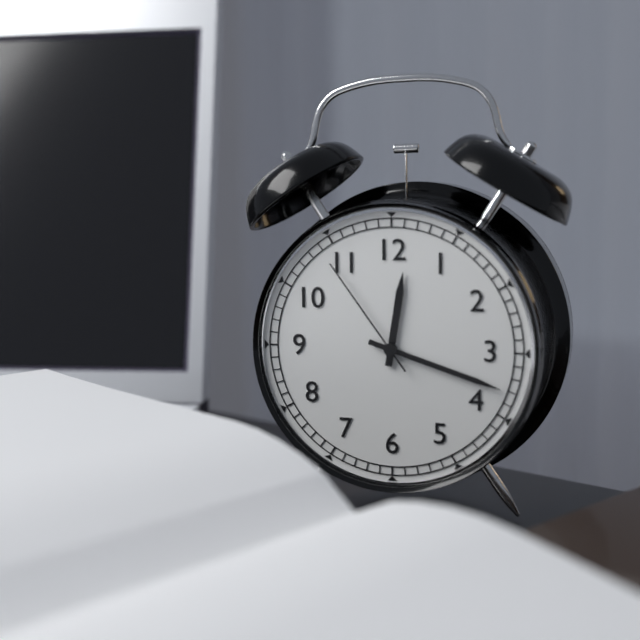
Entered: 12.18.54
